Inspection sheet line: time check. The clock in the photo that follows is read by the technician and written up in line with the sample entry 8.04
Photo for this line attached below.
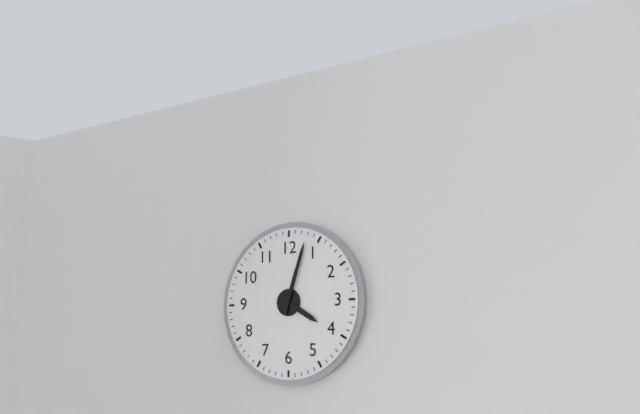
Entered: 4.03
